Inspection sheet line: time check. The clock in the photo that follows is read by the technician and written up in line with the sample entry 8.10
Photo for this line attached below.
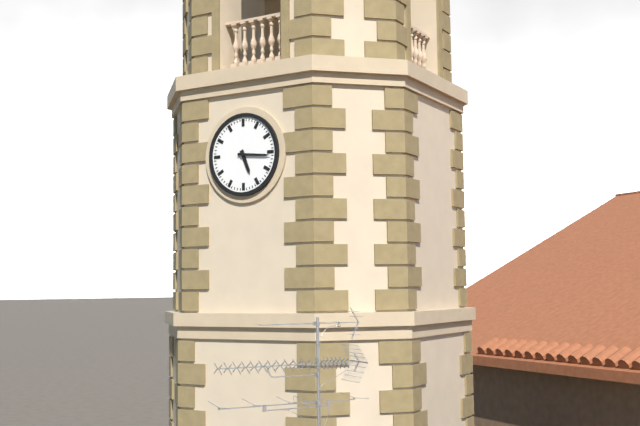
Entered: 5.16
